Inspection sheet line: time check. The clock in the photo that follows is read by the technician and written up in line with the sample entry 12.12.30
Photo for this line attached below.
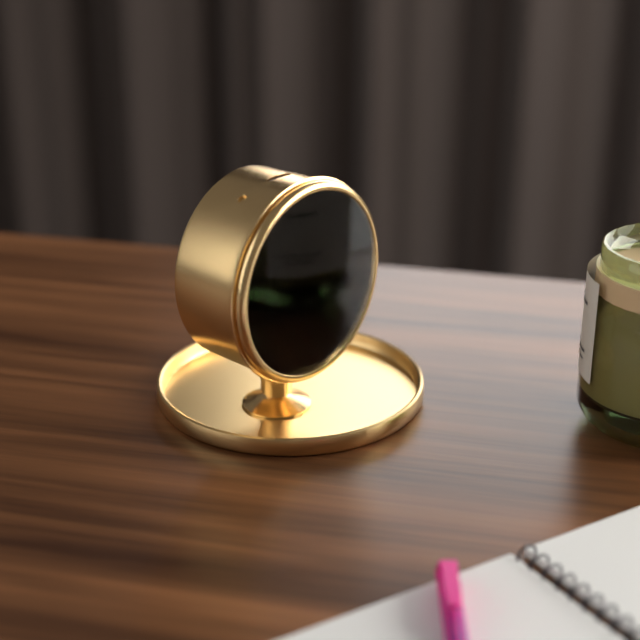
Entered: 5.21.13
